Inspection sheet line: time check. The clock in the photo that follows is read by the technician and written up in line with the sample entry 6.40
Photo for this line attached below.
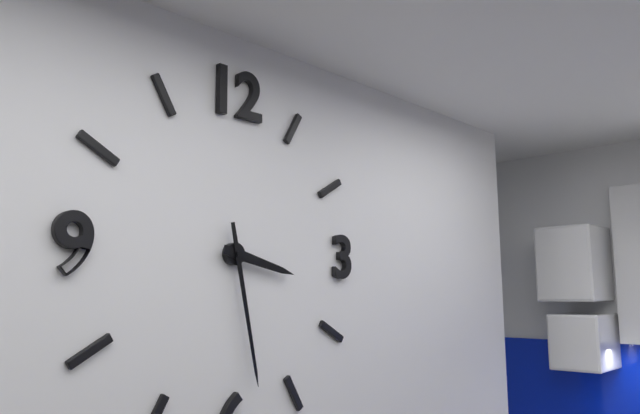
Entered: 3.28
